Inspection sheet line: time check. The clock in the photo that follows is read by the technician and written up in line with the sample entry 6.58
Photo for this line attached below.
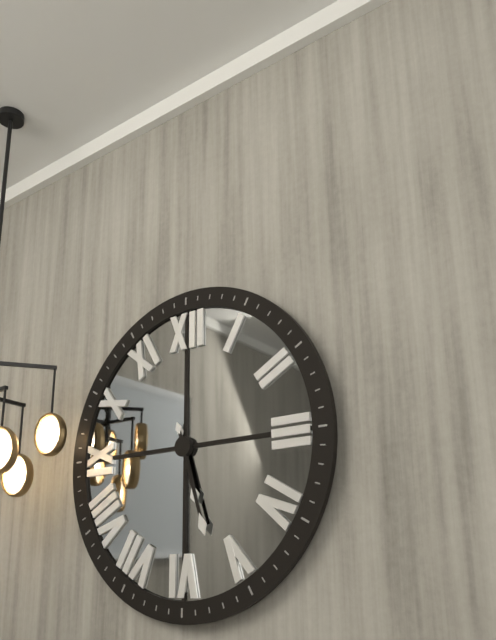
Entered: 5.27
